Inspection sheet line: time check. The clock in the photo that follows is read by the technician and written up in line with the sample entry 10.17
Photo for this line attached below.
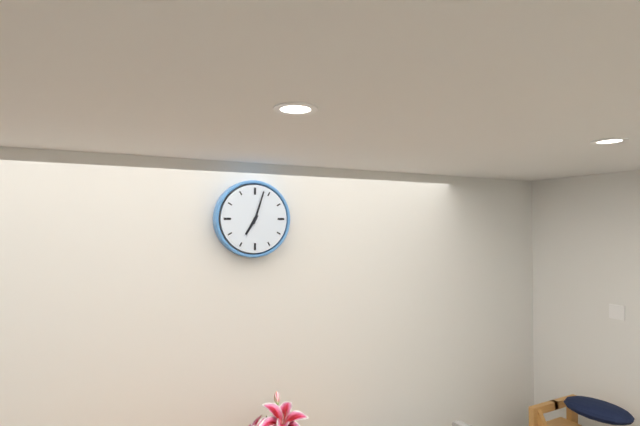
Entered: 7.03
